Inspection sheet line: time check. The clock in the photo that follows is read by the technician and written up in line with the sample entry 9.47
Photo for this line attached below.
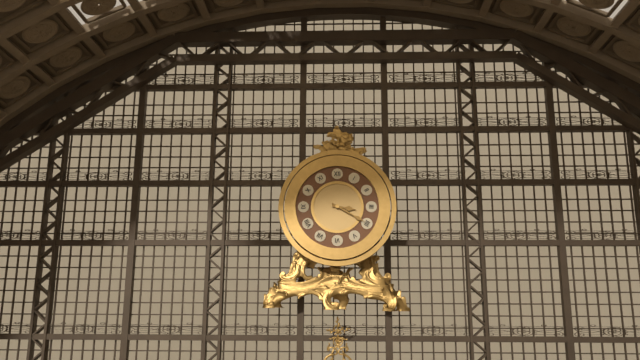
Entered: 3.20
